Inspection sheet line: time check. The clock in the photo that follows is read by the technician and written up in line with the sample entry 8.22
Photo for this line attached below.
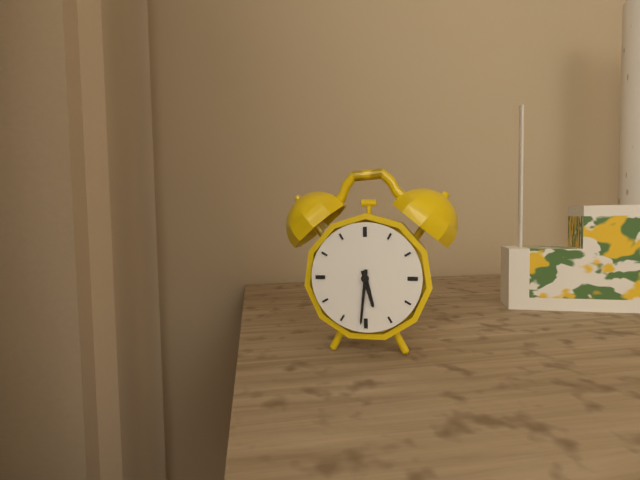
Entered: 5.31
